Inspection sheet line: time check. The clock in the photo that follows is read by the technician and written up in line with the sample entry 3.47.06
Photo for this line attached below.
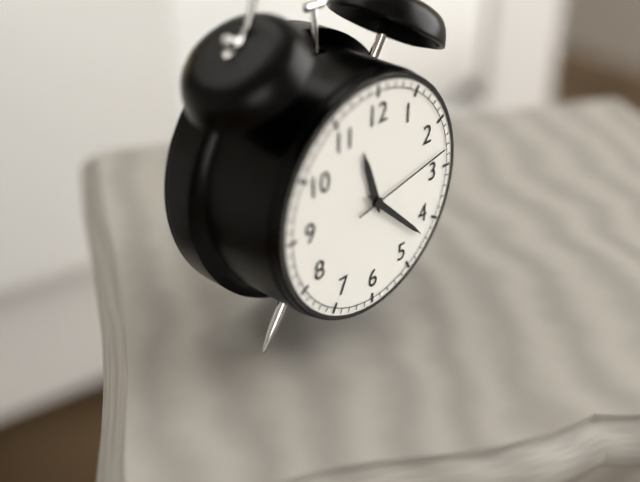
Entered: 11.22.13
